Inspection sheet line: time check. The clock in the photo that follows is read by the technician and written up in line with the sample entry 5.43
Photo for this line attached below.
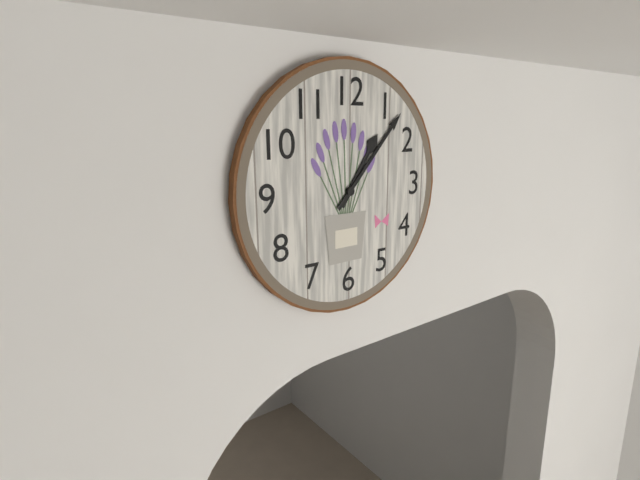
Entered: 1.07
